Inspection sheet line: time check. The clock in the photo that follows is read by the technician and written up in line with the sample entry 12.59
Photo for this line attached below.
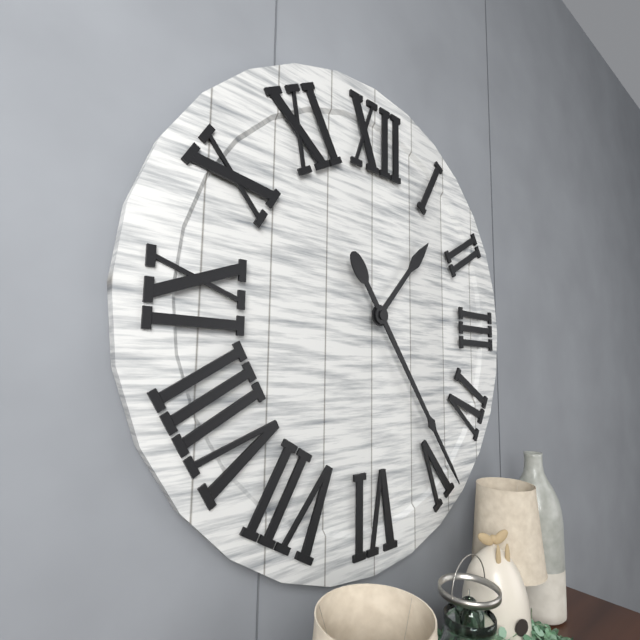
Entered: 1.24
